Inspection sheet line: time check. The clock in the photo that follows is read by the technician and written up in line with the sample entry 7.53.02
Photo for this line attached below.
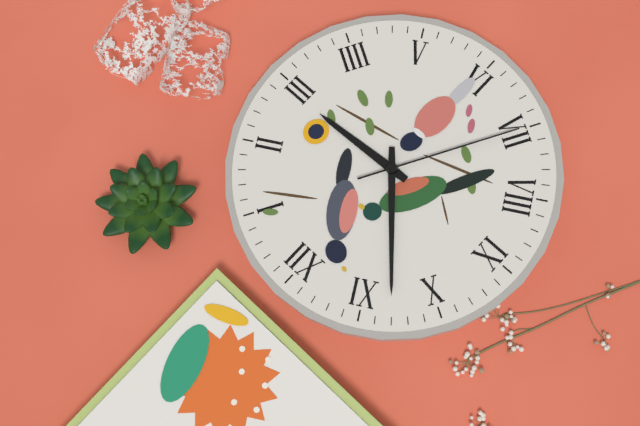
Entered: 2.53.35
